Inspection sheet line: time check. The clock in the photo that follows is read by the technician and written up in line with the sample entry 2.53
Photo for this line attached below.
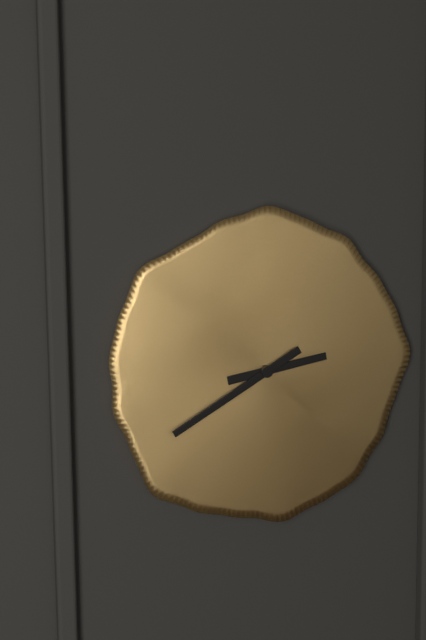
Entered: 2.40
